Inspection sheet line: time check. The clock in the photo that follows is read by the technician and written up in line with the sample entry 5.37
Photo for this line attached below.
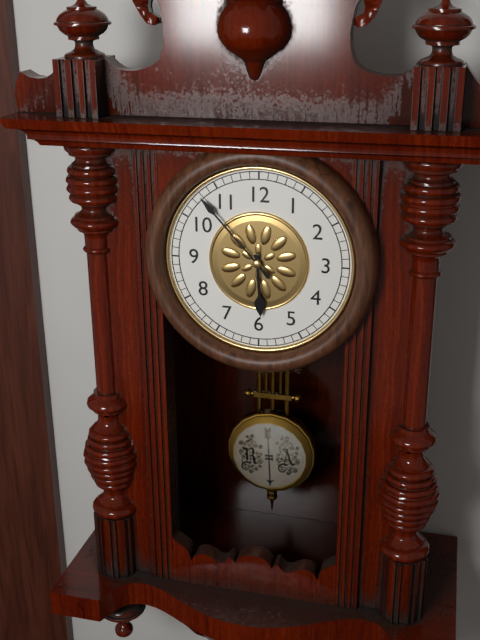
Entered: 5.53
